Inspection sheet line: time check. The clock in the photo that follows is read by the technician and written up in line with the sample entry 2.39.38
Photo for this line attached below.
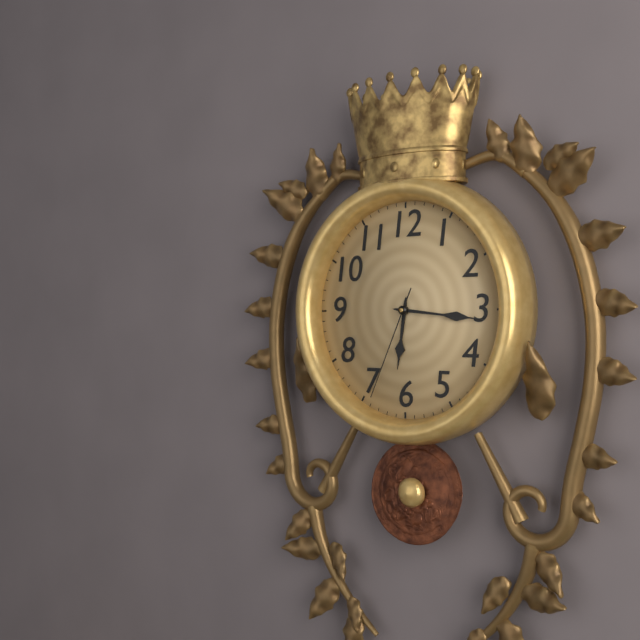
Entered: 6.16.34
